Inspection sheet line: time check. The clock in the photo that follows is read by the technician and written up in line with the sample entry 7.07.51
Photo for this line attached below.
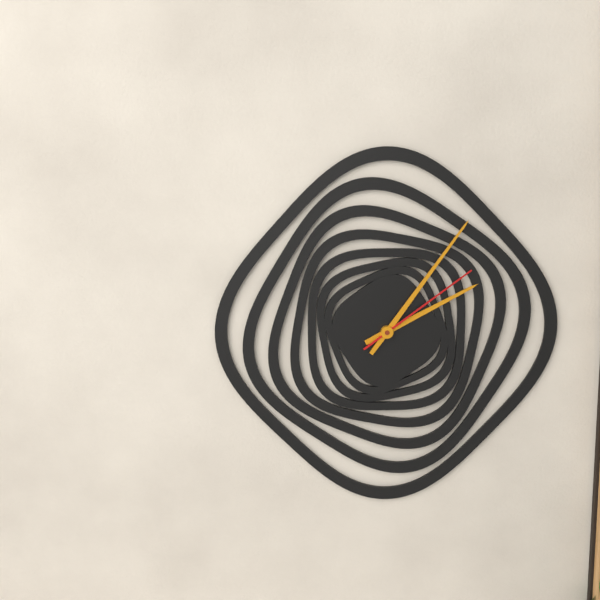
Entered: 2.06.09
